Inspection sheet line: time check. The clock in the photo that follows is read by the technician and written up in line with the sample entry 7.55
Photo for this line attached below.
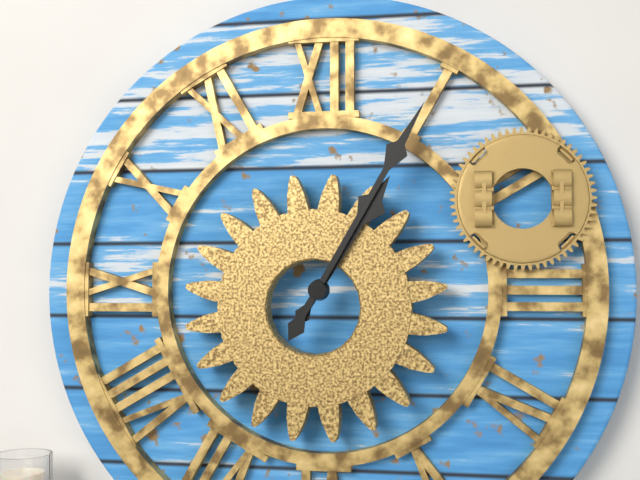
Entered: 1.05
